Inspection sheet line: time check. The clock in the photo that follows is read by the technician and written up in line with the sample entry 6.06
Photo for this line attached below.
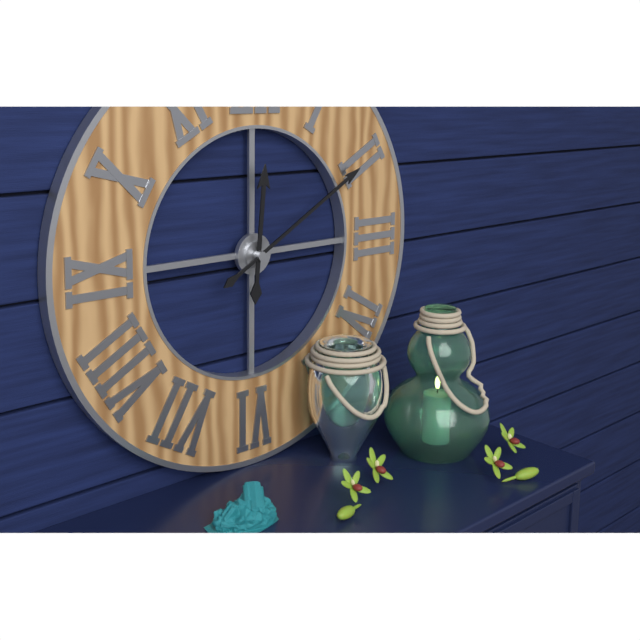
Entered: 12.10
